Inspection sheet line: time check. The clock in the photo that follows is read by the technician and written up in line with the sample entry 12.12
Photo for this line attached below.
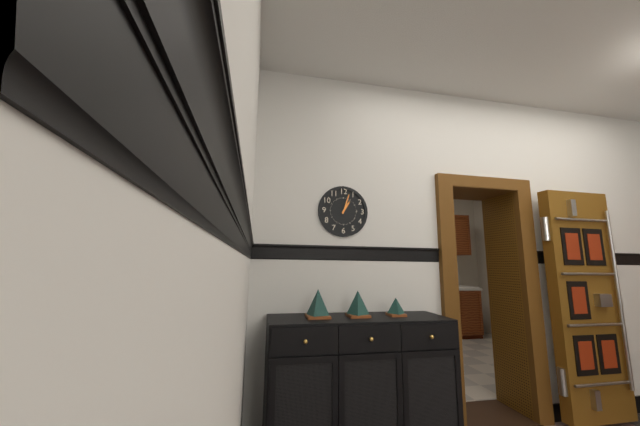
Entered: 1.03
